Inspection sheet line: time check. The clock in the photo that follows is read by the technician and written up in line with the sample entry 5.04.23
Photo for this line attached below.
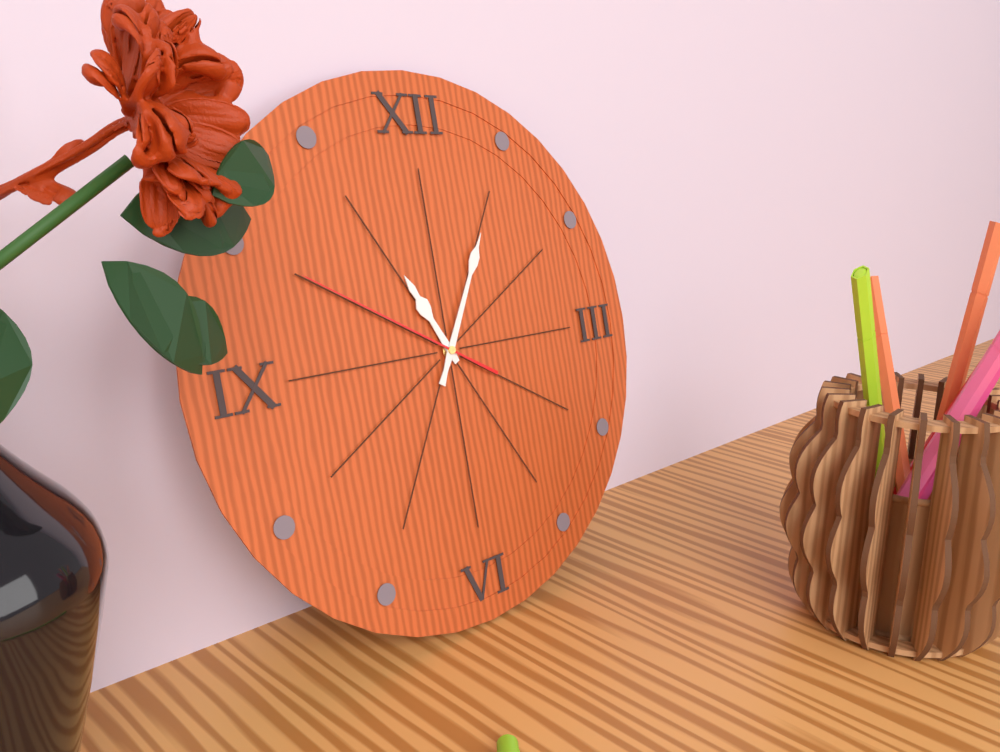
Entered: 11.05.50
